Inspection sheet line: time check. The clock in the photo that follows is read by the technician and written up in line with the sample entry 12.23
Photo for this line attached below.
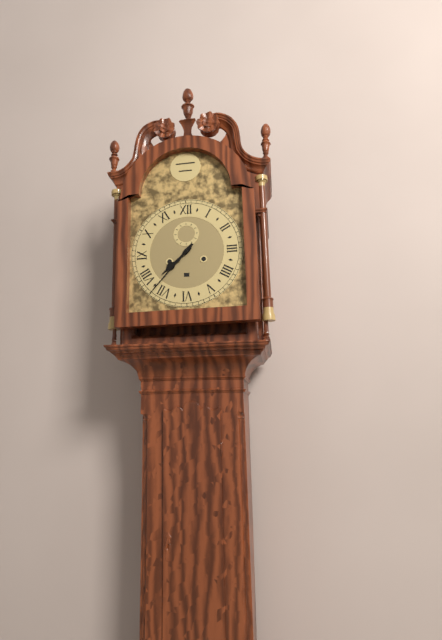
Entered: 7.37
